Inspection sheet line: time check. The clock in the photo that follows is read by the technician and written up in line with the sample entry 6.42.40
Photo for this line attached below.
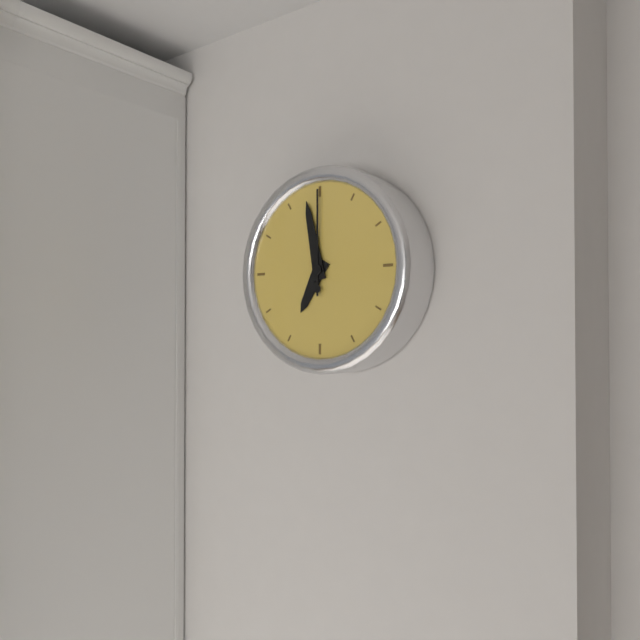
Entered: 6.58.00
